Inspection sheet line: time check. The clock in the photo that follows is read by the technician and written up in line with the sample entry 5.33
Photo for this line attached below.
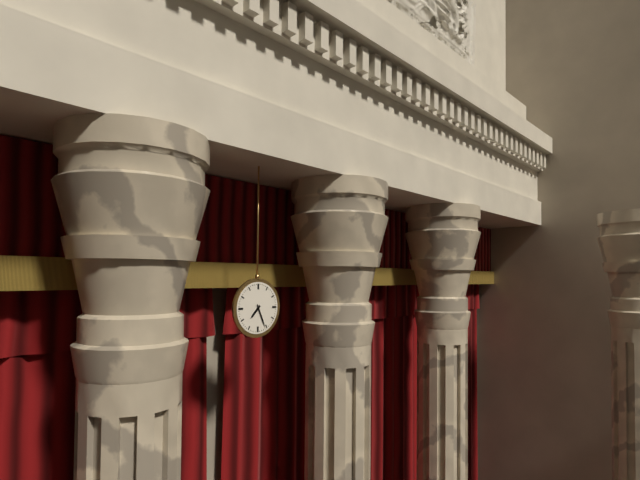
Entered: 7.26
